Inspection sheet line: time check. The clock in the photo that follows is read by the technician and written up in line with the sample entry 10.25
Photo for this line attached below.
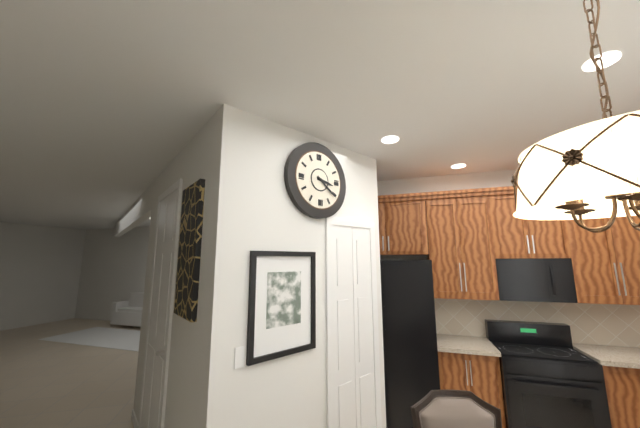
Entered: 3.21
